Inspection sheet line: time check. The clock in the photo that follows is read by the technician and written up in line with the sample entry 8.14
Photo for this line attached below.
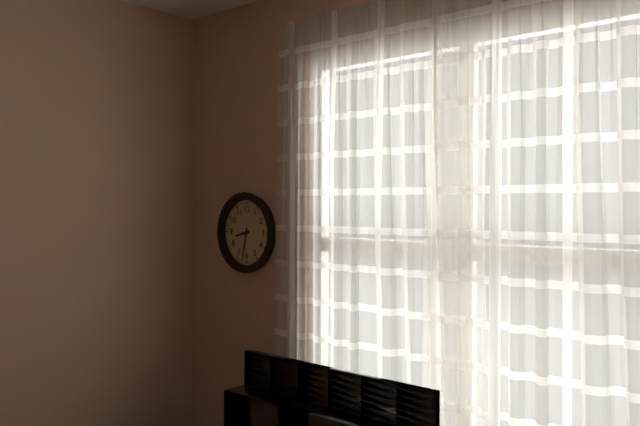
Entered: 8.32
